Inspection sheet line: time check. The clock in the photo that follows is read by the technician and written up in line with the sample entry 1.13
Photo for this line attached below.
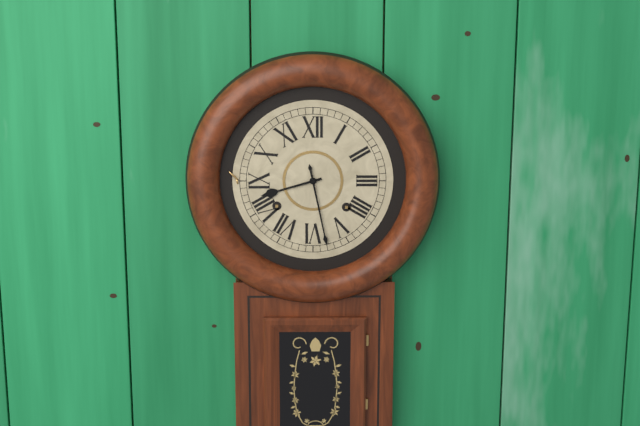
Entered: 8.28
